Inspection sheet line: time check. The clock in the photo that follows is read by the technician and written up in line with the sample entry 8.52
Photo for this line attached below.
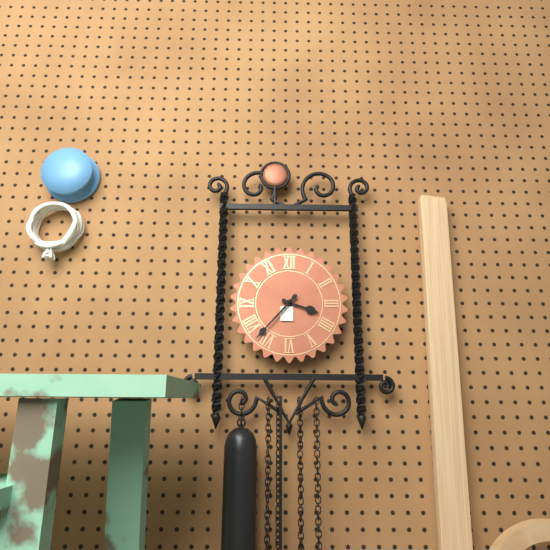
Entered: 3.37
